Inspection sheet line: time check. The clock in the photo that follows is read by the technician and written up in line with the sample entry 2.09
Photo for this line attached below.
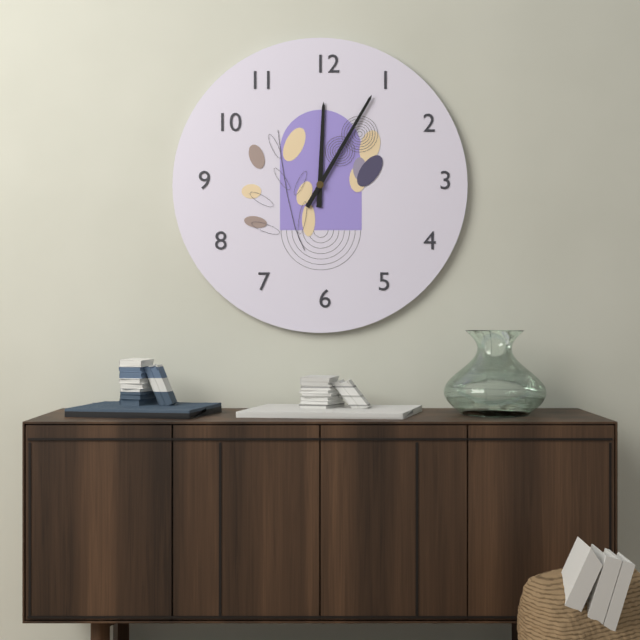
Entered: 12.05
